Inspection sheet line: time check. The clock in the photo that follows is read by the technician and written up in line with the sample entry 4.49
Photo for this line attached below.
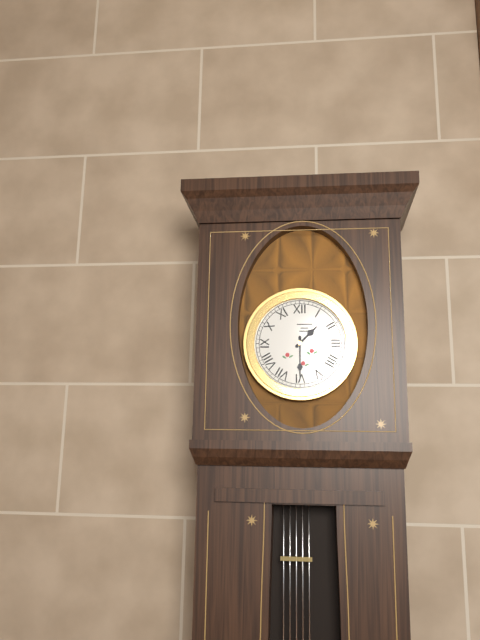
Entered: 1.30
